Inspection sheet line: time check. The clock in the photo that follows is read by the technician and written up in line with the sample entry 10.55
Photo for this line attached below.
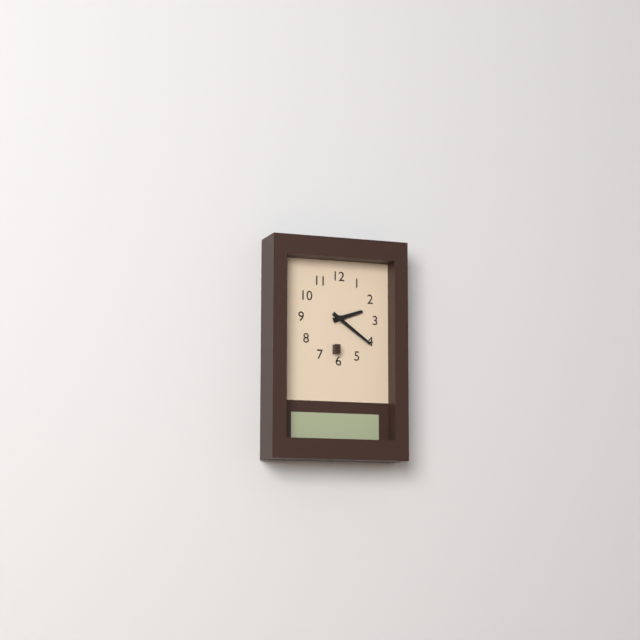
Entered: 2.21
